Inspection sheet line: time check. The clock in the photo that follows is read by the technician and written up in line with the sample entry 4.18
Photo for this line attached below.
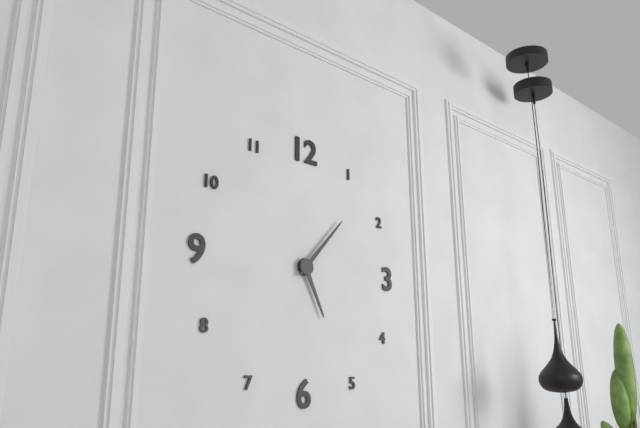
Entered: 5.07
